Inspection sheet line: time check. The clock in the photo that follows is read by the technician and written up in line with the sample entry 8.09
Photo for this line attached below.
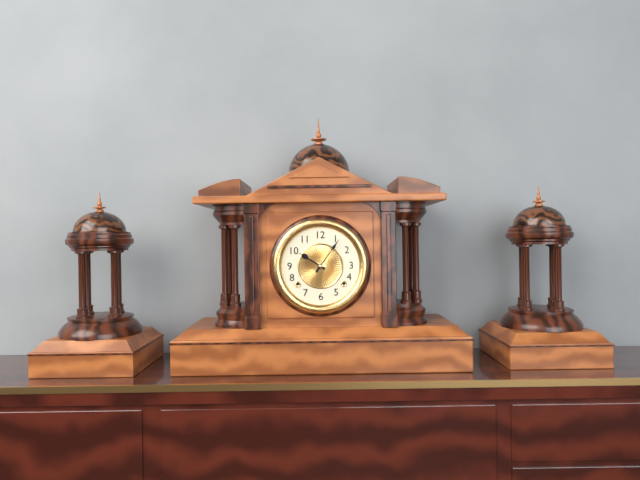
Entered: 10.06
